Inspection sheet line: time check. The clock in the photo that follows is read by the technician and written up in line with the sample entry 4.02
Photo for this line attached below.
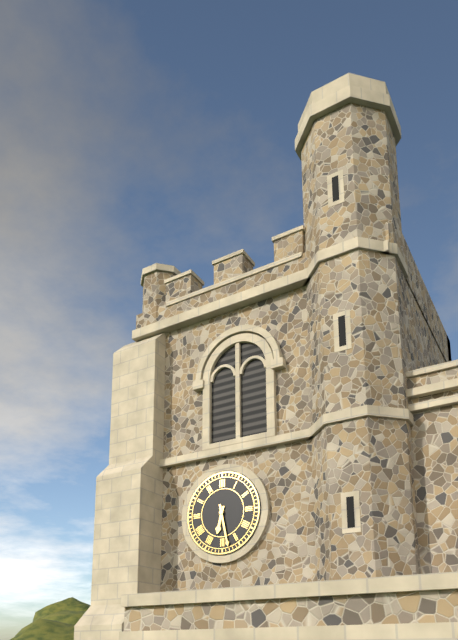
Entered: 6.28
